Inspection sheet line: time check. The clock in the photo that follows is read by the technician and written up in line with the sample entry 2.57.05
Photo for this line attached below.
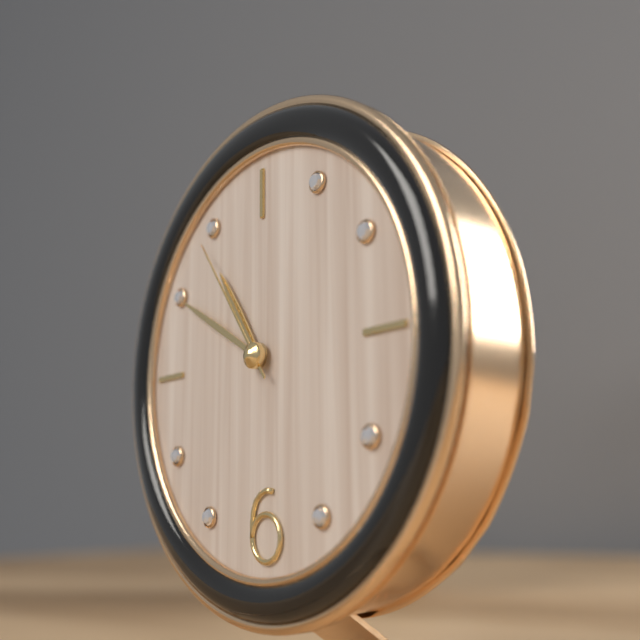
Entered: 10.50.54
